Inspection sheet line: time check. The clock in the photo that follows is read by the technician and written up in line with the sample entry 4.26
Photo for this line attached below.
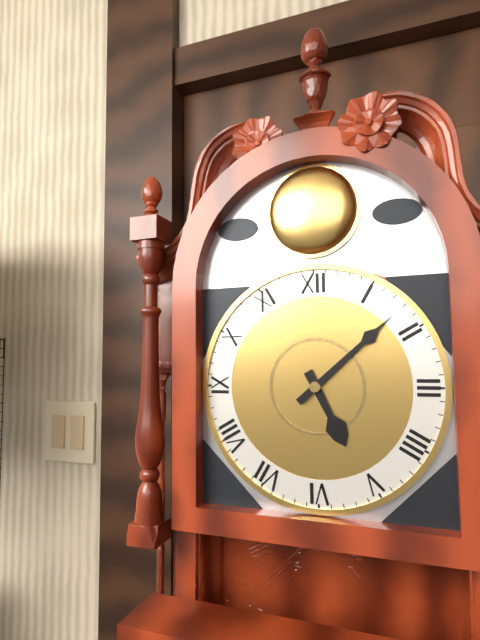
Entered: 5.08
